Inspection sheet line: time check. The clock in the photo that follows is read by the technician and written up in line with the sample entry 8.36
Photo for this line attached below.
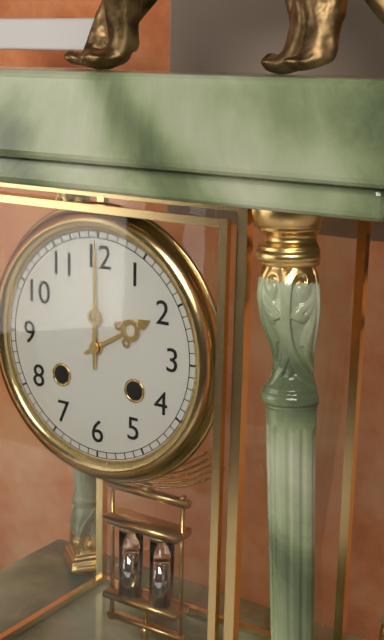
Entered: 2.00
